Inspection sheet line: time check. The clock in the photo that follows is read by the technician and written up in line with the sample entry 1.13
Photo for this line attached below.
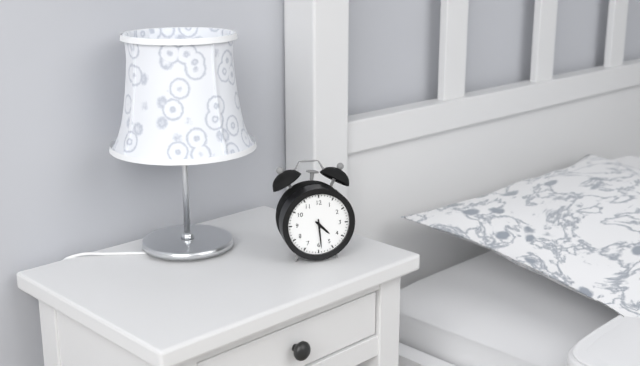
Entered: 4.29
